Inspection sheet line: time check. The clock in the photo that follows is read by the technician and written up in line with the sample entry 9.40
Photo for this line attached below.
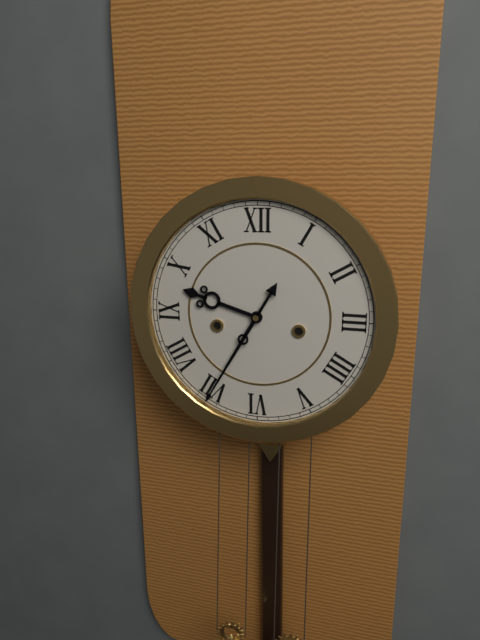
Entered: 9.35
